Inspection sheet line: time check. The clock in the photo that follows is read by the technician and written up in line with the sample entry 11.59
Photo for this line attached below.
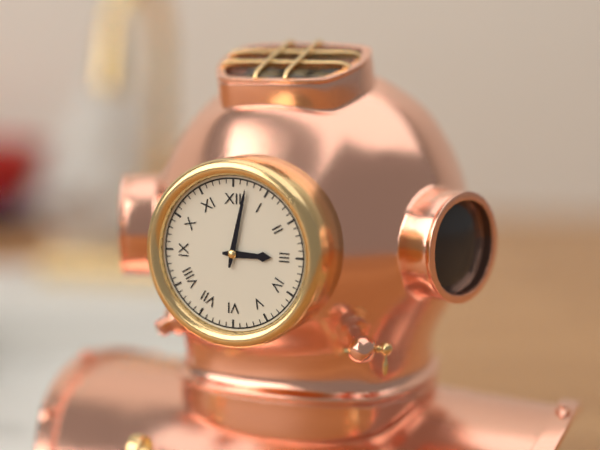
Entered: 3.02
